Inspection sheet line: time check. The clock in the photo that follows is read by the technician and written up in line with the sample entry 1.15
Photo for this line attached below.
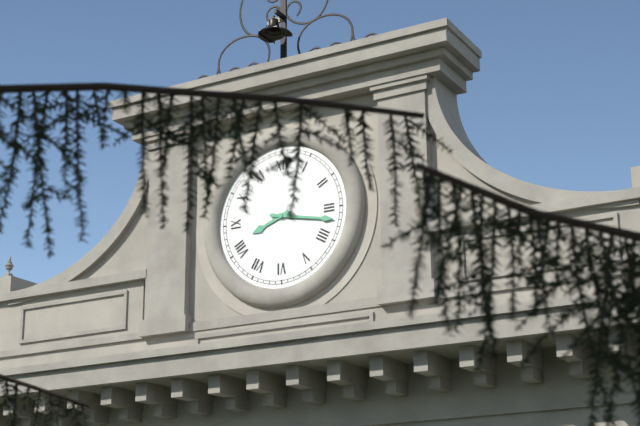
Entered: 8.17
